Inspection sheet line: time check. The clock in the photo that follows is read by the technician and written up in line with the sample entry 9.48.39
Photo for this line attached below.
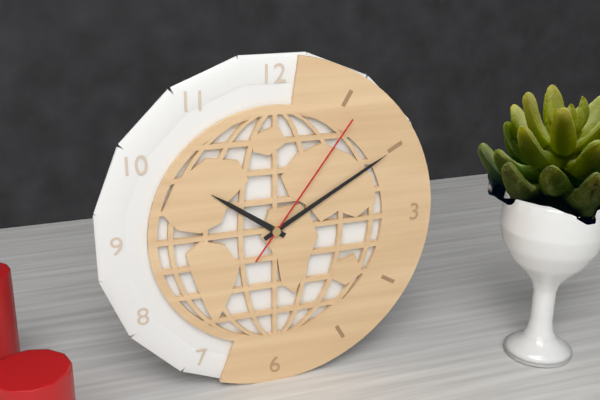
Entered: 10.10.06
